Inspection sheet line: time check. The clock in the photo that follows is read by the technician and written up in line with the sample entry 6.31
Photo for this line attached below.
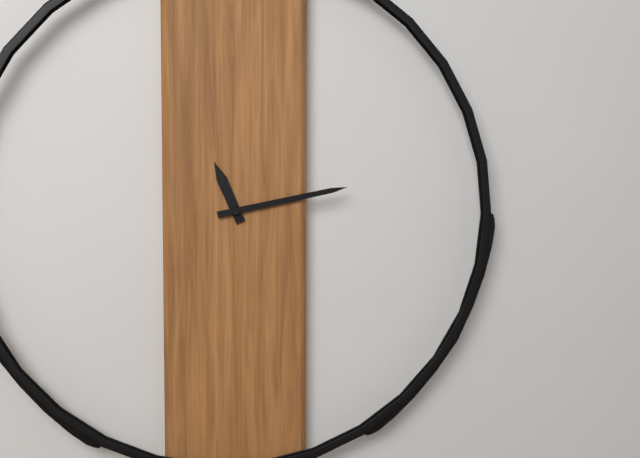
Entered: 11.13
